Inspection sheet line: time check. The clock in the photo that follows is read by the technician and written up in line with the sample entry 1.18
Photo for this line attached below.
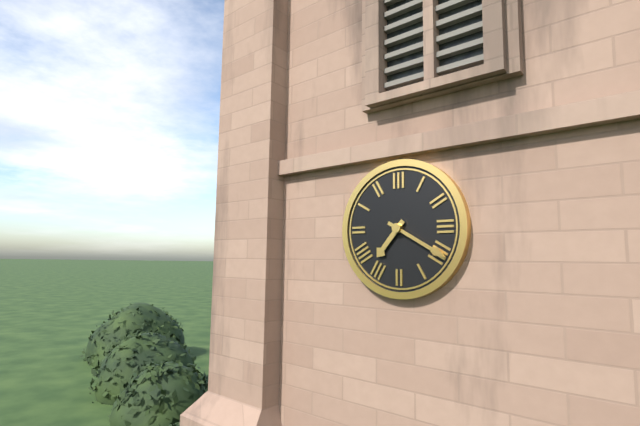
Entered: 7.20
